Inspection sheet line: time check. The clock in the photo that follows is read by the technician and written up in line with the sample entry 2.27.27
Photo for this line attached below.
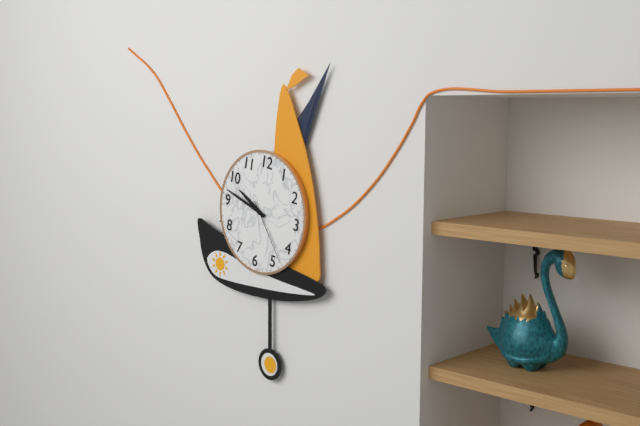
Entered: 9.47.23
